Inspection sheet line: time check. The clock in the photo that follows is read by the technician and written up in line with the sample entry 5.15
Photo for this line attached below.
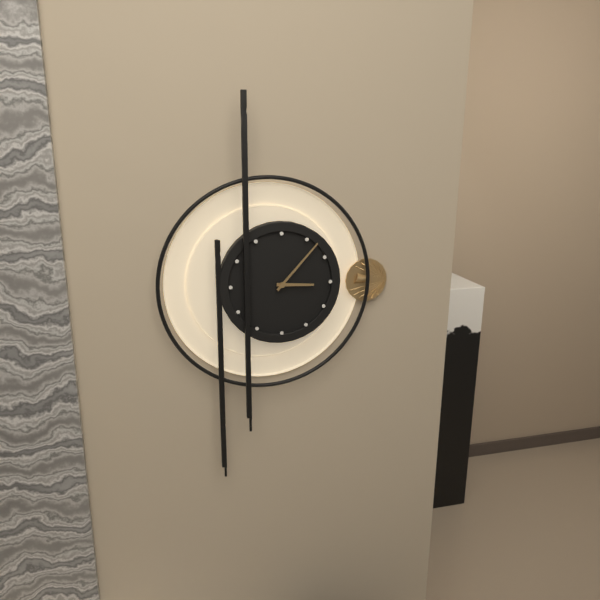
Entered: 3.07
